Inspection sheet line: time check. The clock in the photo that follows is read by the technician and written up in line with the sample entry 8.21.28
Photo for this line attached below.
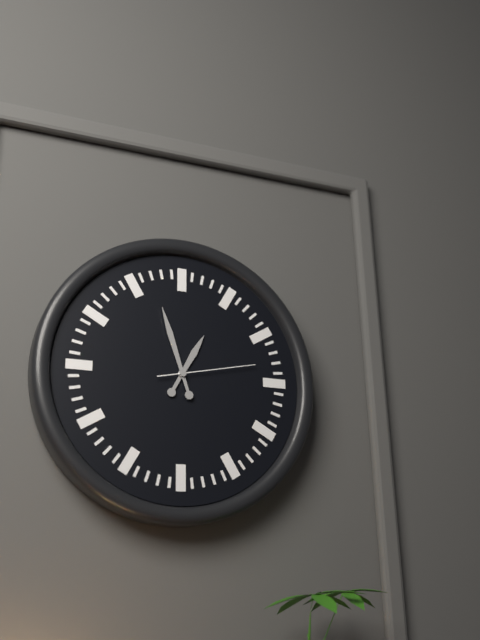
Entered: 12.57.13
